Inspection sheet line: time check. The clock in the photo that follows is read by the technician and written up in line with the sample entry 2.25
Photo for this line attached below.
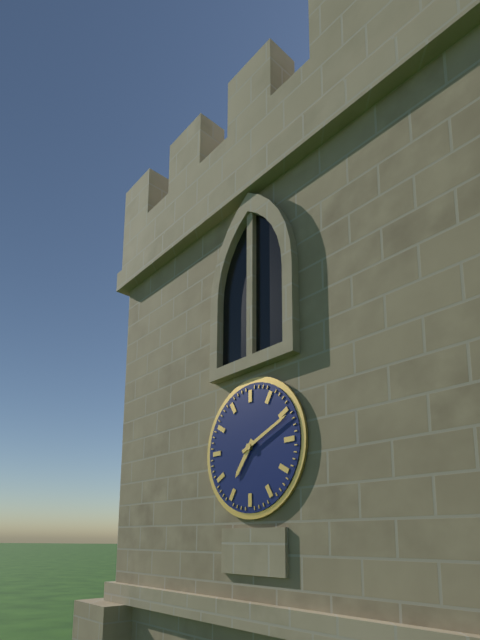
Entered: 7.11
